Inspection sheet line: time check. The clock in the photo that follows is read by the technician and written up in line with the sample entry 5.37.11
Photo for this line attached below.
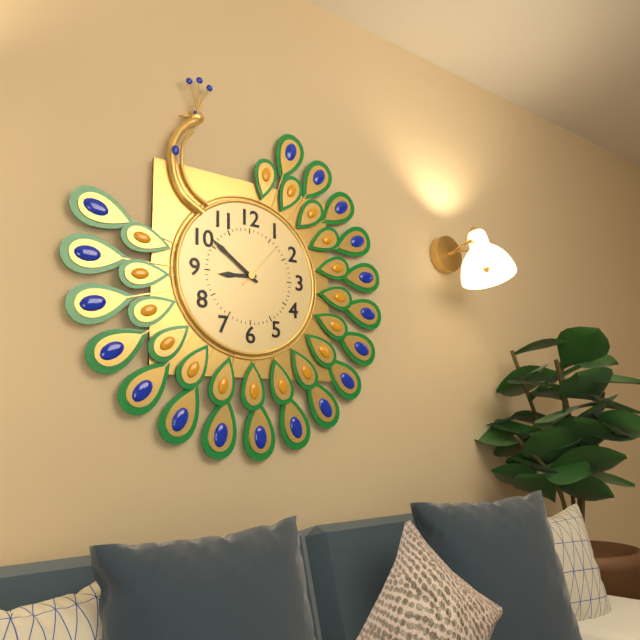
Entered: 8.51.07
